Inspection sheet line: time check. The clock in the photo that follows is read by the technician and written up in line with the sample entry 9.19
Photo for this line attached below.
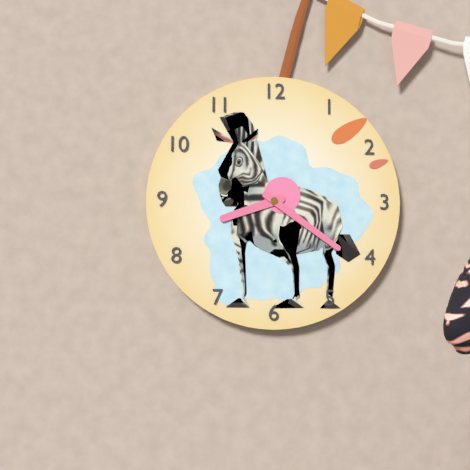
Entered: 8.21
